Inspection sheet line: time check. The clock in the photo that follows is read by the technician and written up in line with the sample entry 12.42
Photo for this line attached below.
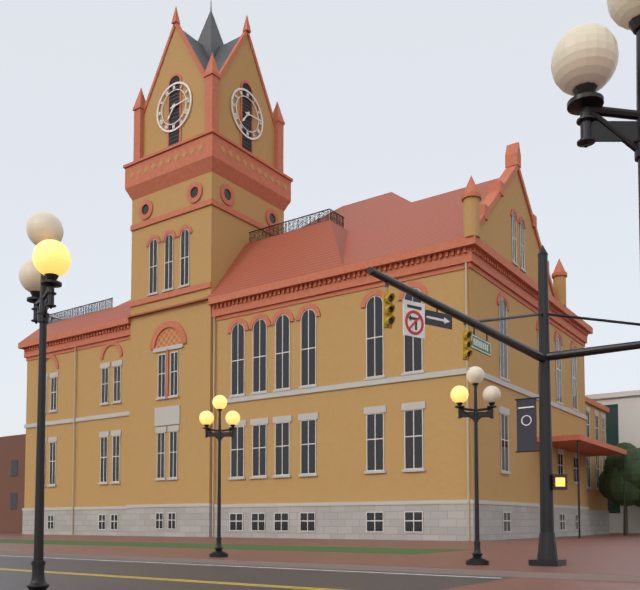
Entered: 7.14
